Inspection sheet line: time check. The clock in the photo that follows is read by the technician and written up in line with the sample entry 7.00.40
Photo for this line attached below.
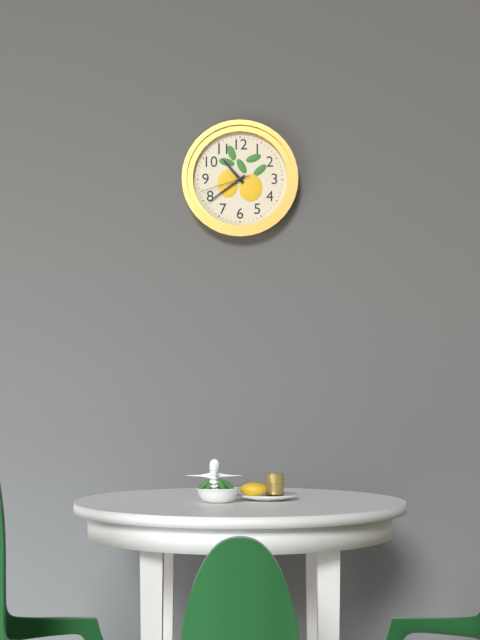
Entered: 10.39.42
